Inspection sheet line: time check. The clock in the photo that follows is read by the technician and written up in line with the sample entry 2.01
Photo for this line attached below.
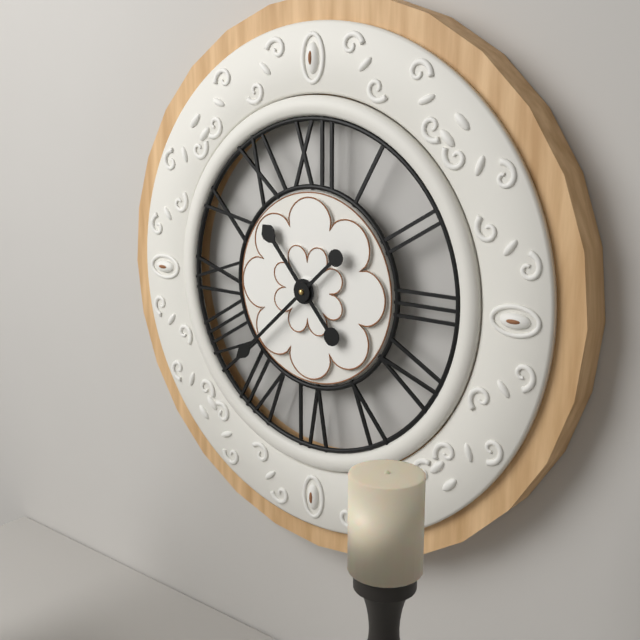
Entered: 10.38
